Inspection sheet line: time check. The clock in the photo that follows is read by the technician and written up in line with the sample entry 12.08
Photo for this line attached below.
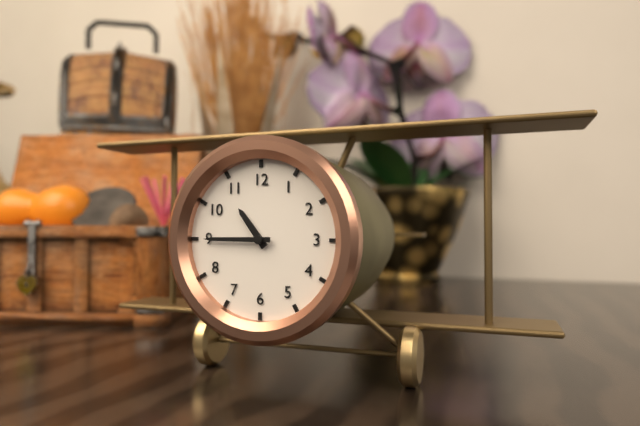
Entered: 10.45
